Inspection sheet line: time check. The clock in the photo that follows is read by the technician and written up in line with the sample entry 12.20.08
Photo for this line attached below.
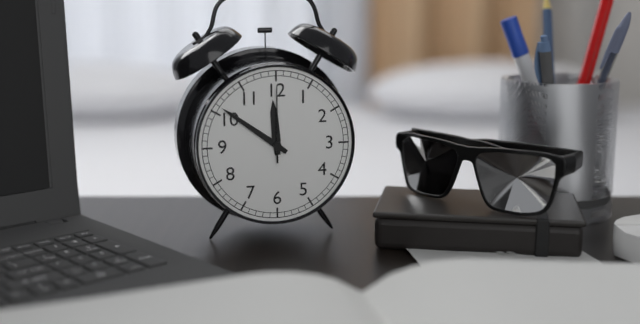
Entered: 11.51.00
